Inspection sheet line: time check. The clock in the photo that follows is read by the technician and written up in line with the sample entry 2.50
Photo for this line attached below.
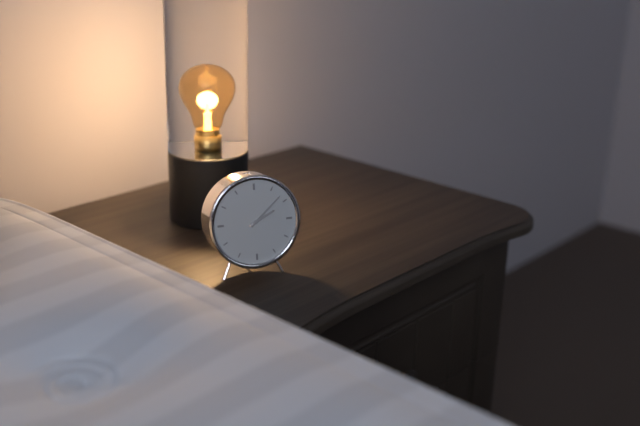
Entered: 2.08
